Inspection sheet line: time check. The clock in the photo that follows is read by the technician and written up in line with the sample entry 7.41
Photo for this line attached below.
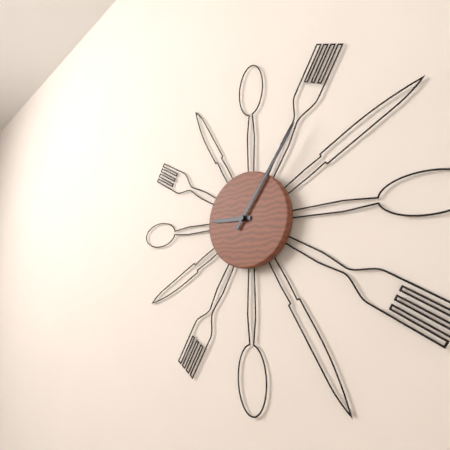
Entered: 9.06
